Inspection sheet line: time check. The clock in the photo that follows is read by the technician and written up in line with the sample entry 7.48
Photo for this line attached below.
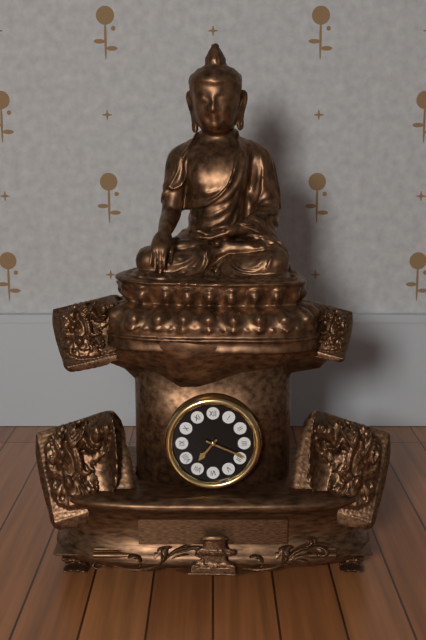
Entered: 7.19
